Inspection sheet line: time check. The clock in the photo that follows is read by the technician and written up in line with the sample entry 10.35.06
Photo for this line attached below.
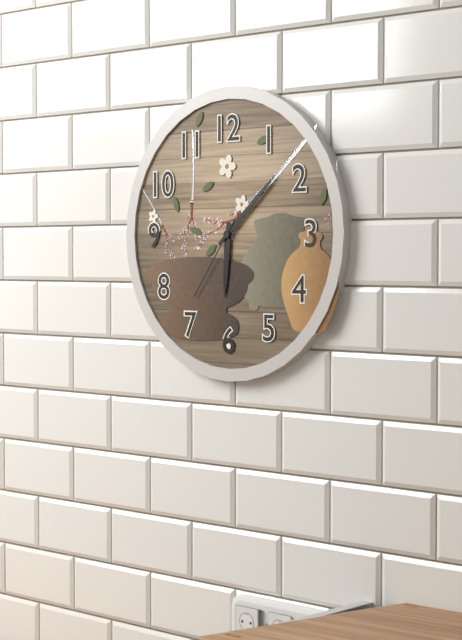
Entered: 6.08.36
